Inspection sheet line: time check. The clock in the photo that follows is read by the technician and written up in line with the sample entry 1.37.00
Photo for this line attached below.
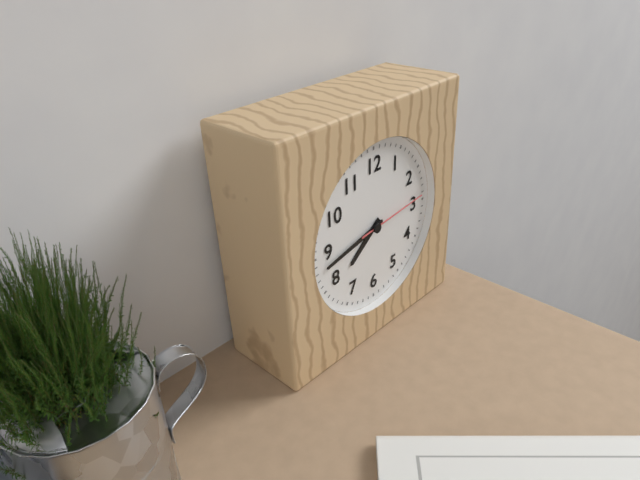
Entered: 7.43.14
